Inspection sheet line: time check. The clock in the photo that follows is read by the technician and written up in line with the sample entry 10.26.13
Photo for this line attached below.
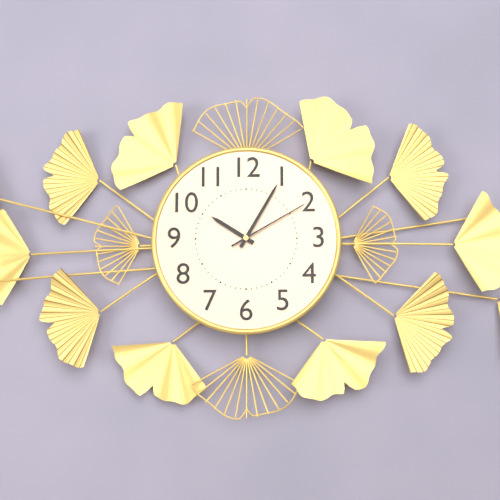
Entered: 10.05.10
